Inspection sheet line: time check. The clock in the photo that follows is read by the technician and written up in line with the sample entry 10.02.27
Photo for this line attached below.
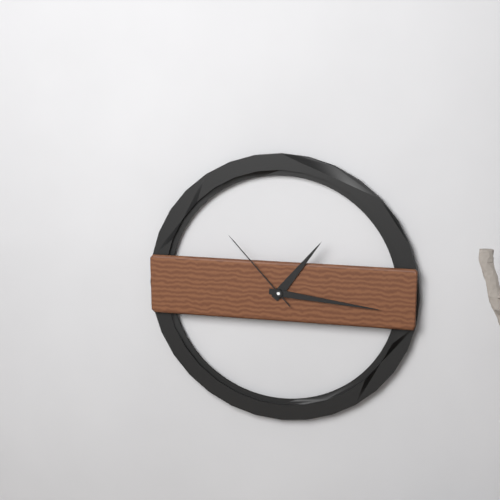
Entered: 1.16.53
